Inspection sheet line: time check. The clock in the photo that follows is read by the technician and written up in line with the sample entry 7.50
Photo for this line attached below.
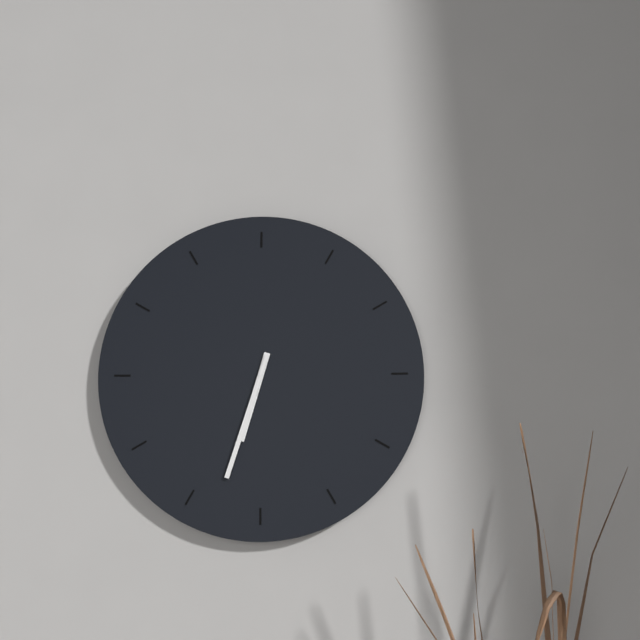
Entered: 6.33
